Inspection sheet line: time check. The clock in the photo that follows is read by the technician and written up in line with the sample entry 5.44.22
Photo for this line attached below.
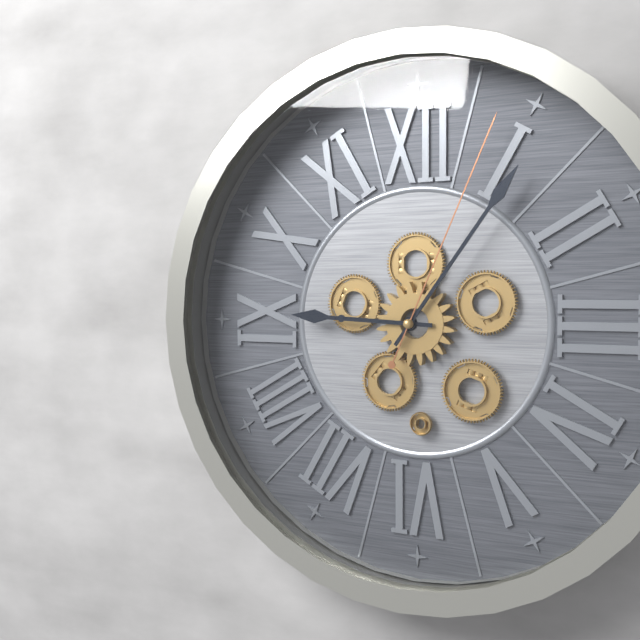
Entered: 9.06.04
